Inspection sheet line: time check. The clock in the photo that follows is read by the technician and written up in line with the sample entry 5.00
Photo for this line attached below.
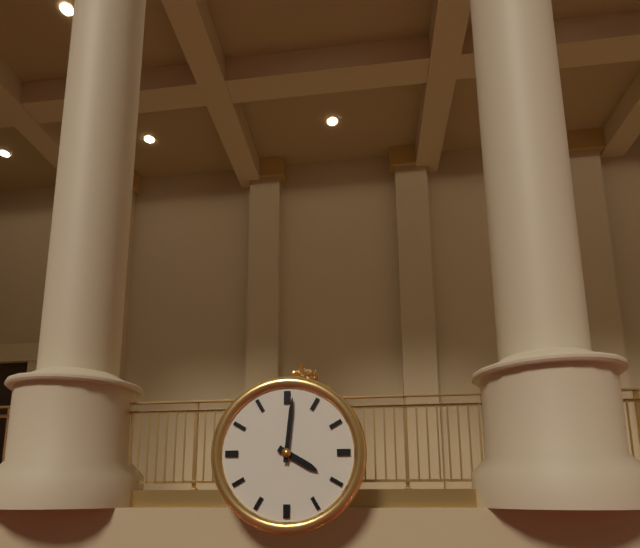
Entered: 4.01
